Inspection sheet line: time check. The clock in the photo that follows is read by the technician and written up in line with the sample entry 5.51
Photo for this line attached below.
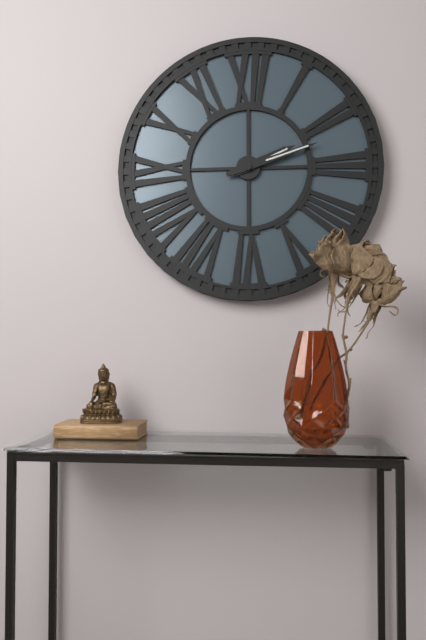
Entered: 2.12
